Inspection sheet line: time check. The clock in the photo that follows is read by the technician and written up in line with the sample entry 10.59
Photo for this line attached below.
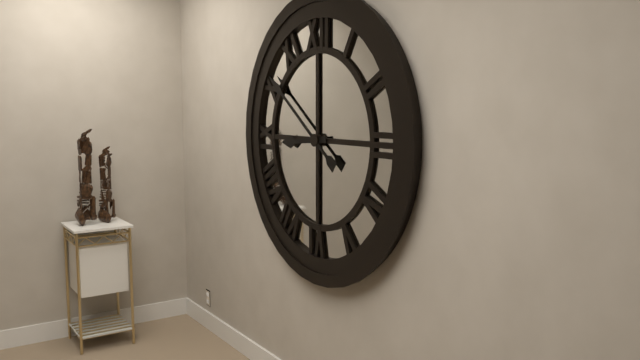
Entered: 8.51
